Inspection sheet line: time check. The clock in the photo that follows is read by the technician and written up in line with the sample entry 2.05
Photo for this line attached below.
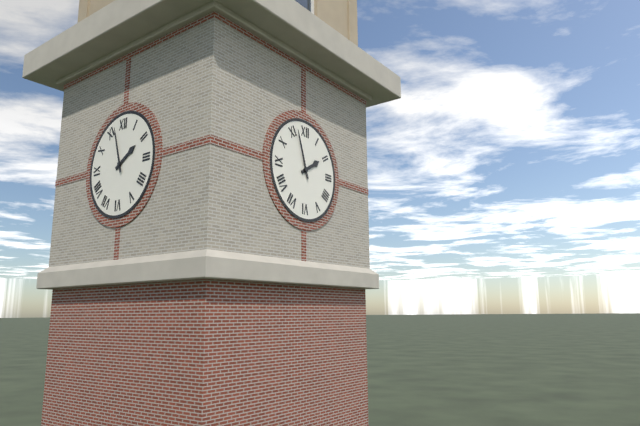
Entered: 1.57
